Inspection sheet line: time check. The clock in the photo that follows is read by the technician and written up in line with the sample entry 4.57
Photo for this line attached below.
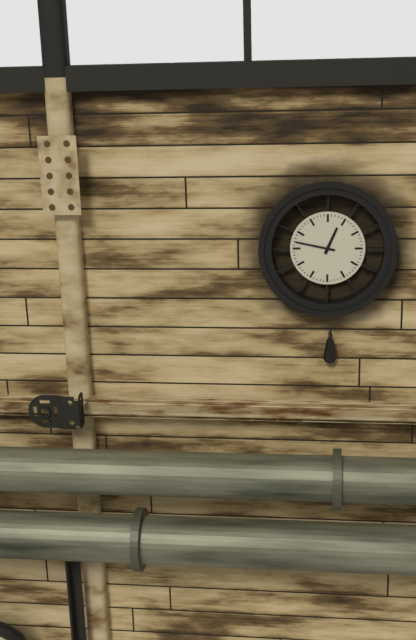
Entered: 12.47
